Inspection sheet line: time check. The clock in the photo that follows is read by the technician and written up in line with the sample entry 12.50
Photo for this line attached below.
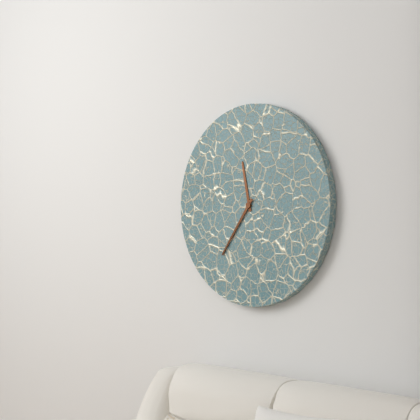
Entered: 11.36
